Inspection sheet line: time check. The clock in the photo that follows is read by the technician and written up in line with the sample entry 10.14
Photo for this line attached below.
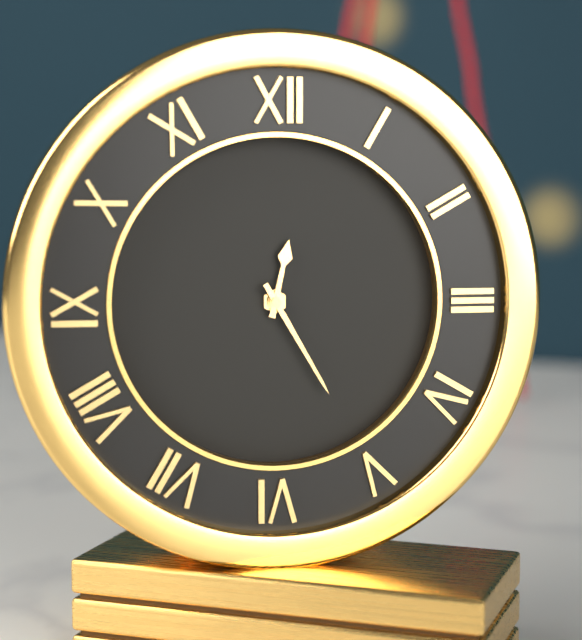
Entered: 12.25
